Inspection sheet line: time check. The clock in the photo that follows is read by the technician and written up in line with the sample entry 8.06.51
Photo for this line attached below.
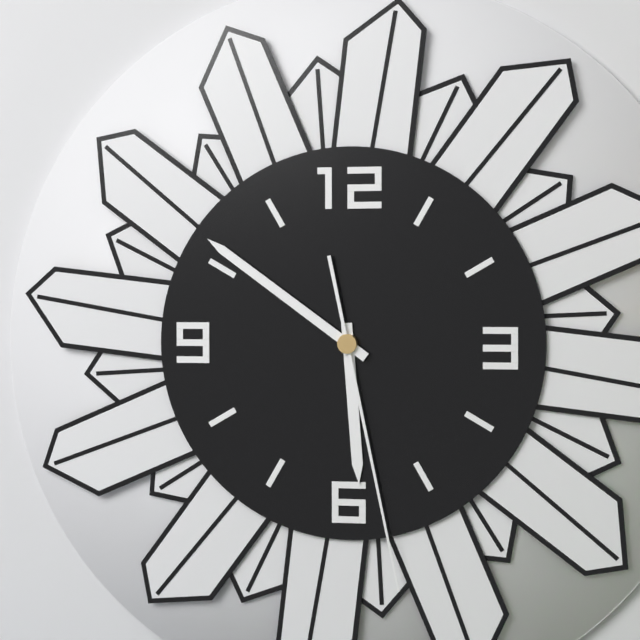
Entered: 5.51.28
